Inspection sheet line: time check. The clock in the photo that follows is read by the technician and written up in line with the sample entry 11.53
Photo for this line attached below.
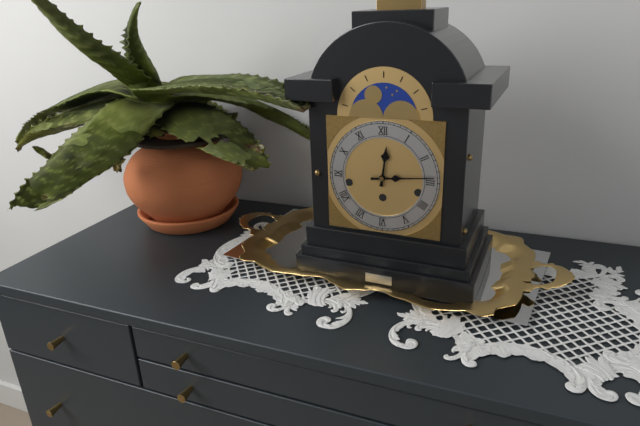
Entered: 12.14
